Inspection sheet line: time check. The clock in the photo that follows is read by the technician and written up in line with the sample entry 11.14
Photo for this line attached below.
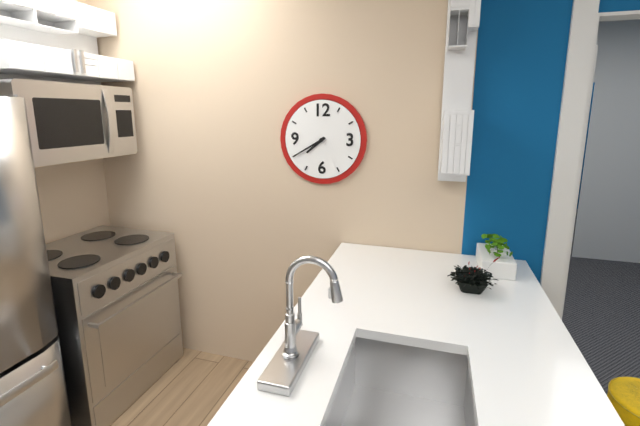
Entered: 7.40
